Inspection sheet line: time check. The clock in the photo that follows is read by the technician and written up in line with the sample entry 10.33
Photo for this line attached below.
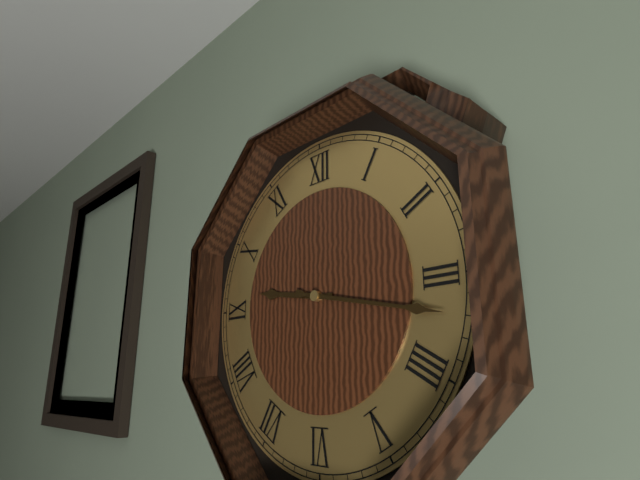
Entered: 9.17
